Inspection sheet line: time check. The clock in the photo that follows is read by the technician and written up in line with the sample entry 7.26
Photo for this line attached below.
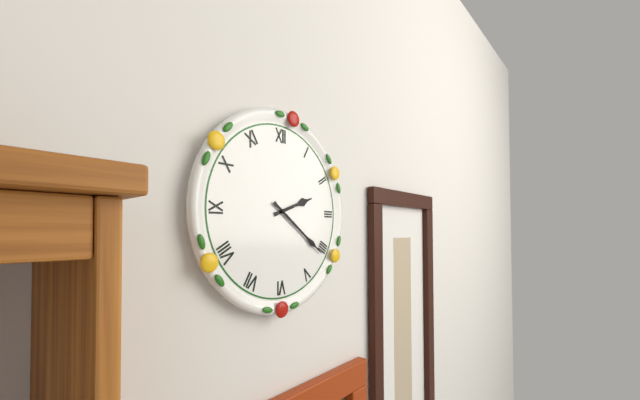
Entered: 2.21
